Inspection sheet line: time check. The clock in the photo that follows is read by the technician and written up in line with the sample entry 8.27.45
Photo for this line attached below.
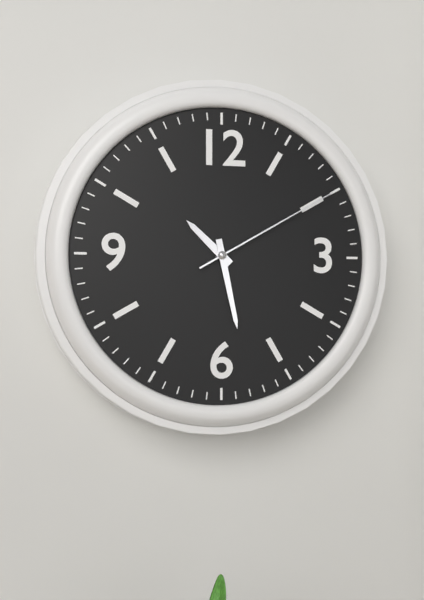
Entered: 10.28.10
